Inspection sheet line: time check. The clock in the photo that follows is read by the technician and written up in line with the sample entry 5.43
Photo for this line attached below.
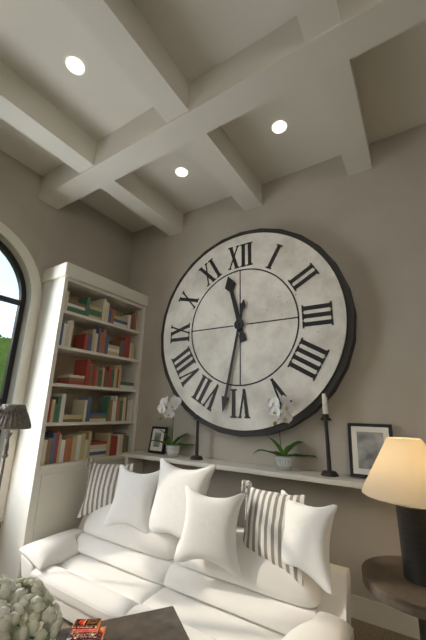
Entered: 11.32
